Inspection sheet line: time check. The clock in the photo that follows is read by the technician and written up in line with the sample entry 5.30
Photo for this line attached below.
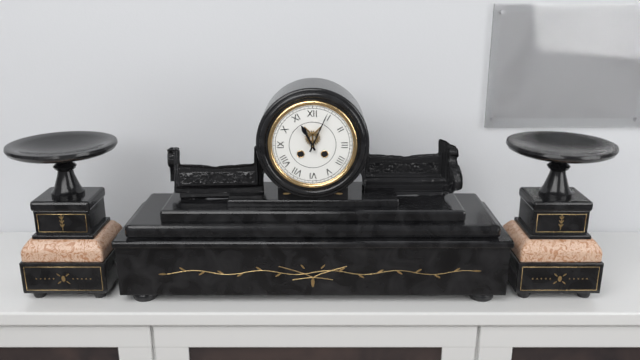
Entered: 11.04
